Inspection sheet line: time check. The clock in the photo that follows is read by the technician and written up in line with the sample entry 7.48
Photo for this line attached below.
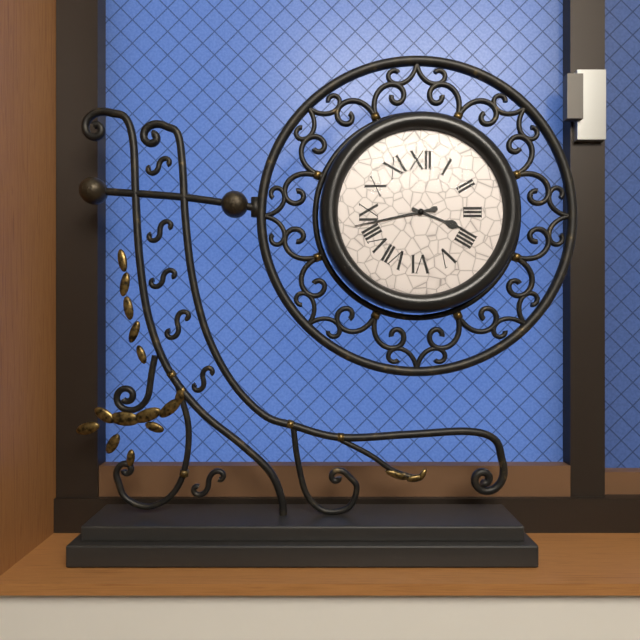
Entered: 3.43
